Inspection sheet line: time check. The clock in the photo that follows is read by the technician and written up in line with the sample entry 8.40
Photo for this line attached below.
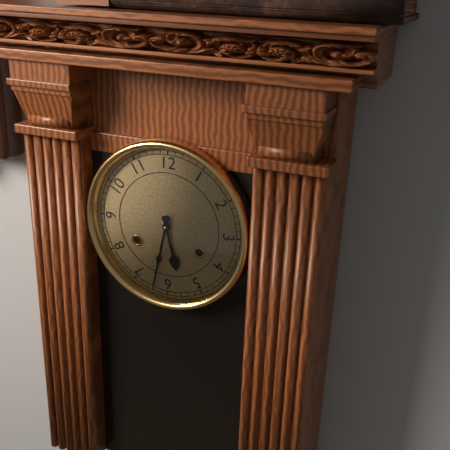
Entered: 5.32
